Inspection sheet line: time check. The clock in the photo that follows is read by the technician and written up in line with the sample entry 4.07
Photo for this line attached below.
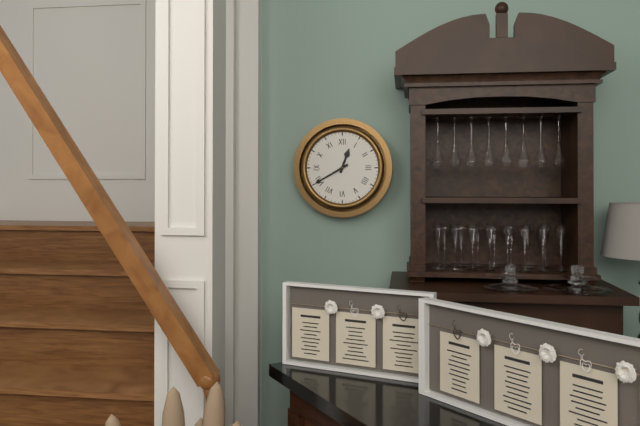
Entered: 12.40
